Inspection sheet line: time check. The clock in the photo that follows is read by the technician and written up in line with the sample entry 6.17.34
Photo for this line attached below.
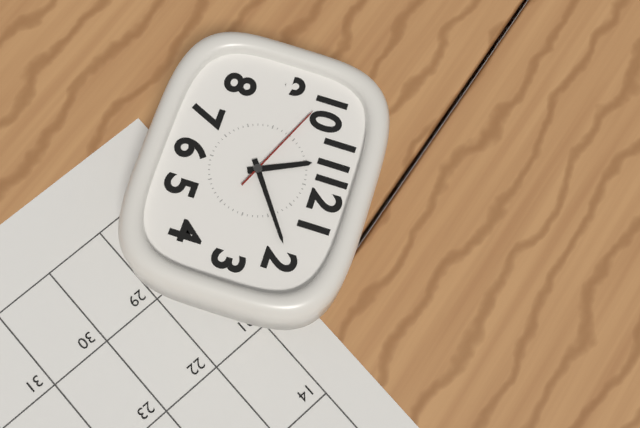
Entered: 11.09.49
